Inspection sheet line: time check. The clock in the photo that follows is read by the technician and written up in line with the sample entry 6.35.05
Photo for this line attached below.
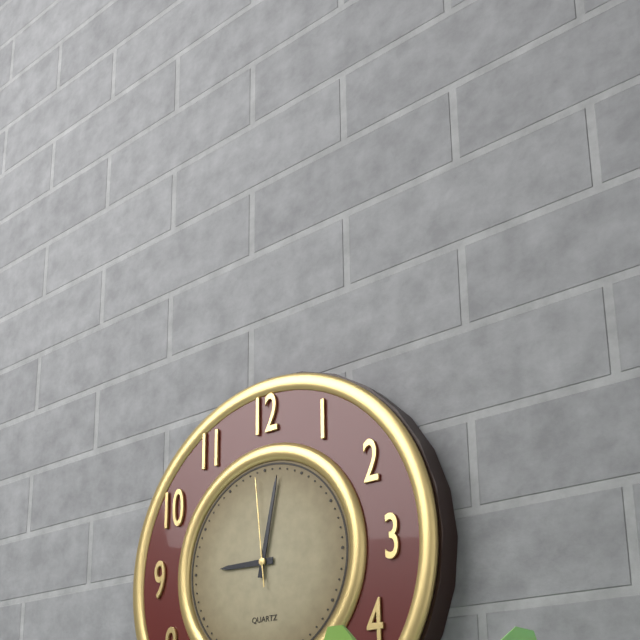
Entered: 9.02.59
